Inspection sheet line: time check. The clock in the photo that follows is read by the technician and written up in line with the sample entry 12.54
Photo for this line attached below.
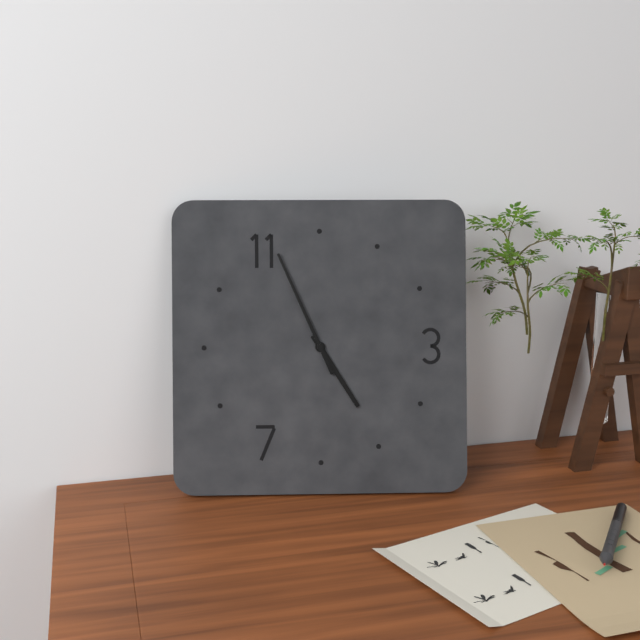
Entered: 4.56
